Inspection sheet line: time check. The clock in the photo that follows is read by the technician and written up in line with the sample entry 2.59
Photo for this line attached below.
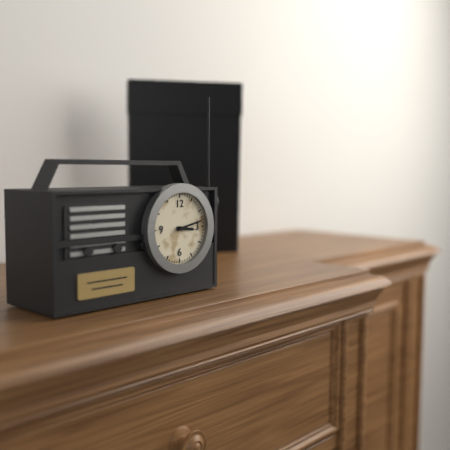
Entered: 3.13
